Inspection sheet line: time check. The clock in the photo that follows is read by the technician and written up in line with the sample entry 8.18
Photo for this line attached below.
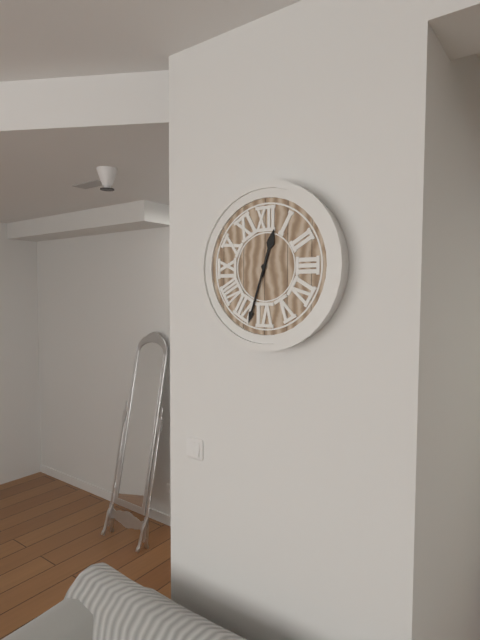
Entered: 12.33
